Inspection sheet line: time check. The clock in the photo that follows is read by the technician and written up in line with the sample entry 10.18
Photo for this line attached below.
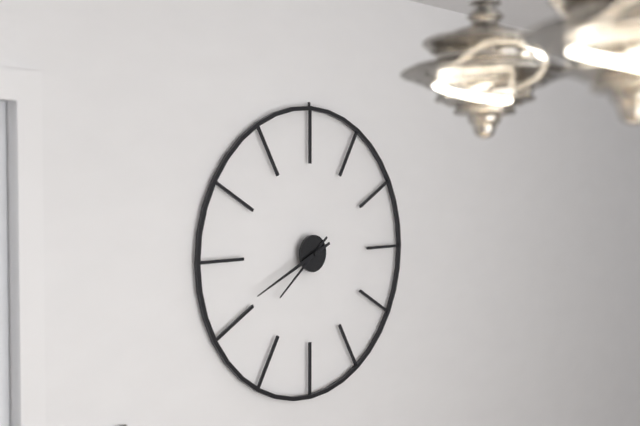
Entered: 7.41
